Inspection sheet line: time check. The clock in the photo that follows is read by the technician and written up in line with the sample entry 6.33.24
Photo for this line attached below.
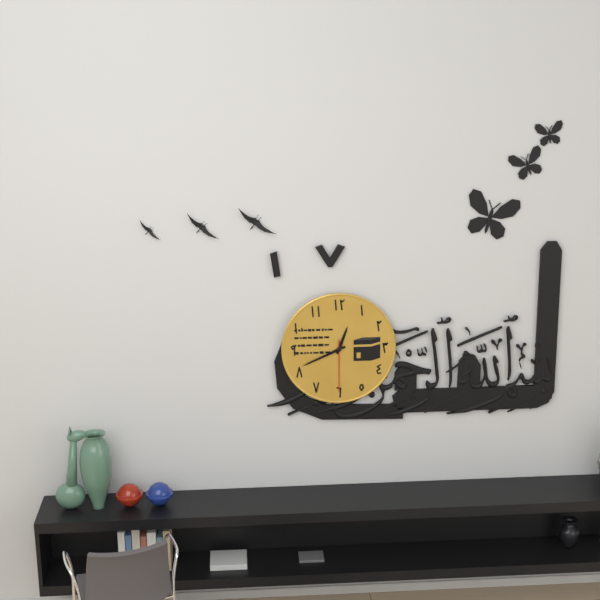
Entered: 12.41.30
